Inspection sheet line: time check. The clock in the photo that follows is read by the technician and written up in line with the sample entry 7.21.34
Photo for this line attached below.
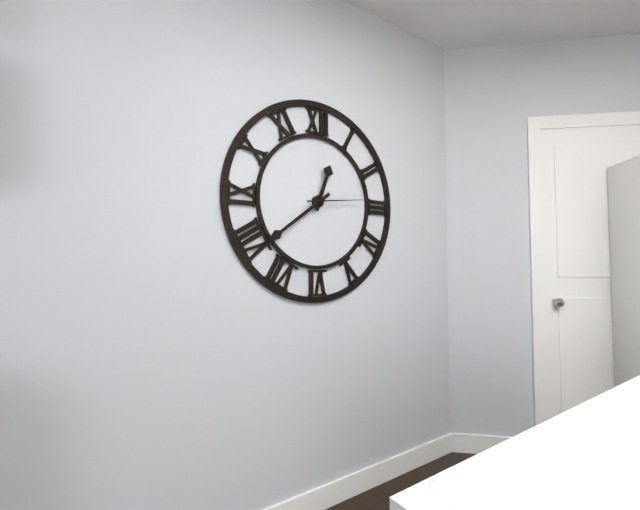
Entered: 12.39.14
